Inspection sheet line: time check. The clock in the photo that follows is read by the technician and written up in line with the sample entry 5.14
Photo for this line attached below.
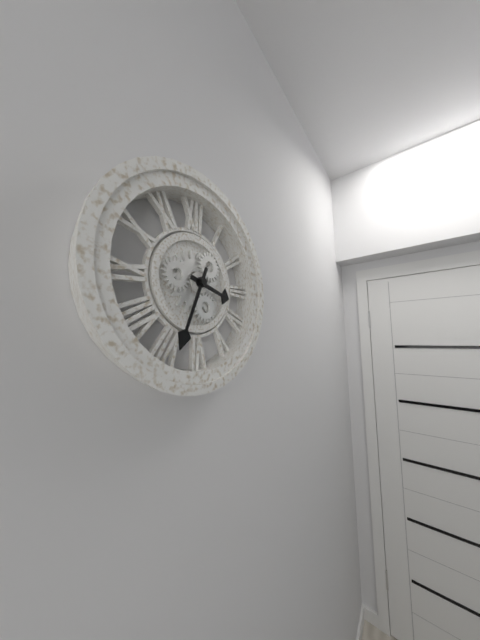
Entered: 3.34
